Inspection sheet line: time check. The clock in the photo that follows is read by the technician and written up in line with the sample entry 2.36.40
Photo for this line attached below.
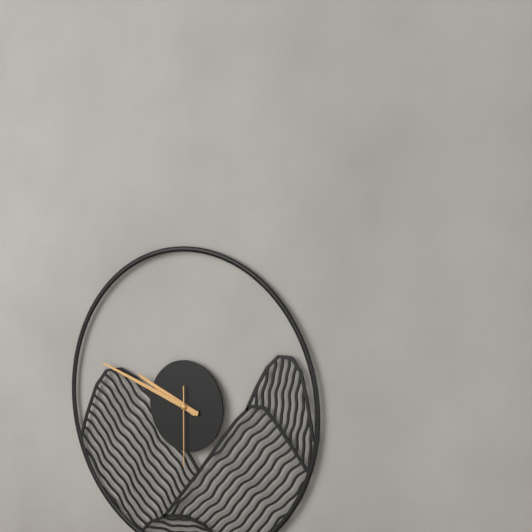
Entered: 9.48.30
